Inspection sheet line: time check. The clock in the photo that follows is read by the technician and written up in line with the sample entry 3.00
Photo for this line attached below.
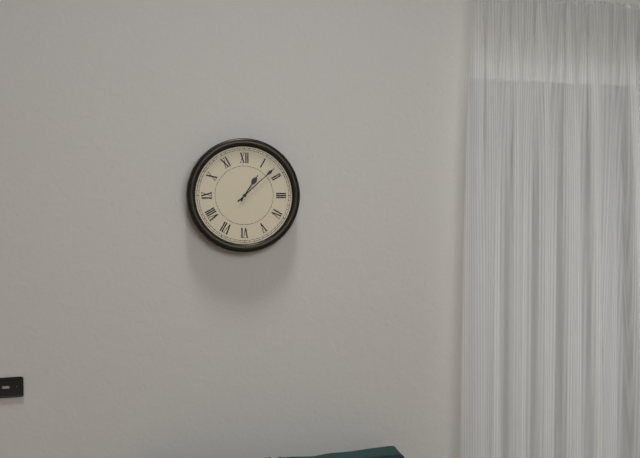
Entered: 1.08
